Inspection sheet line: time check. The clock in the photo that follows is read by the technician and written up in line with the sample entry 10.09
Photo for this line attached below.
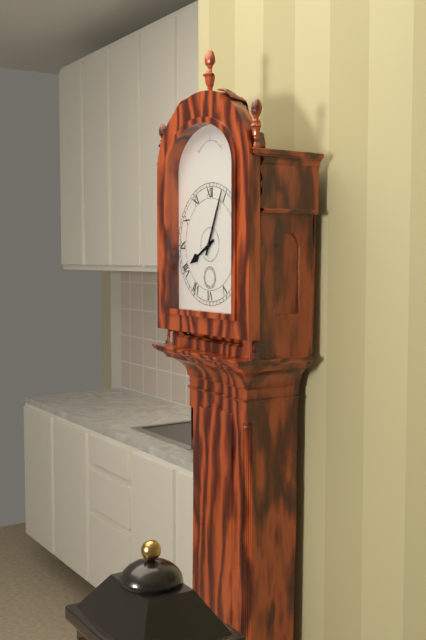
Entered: 8.04
